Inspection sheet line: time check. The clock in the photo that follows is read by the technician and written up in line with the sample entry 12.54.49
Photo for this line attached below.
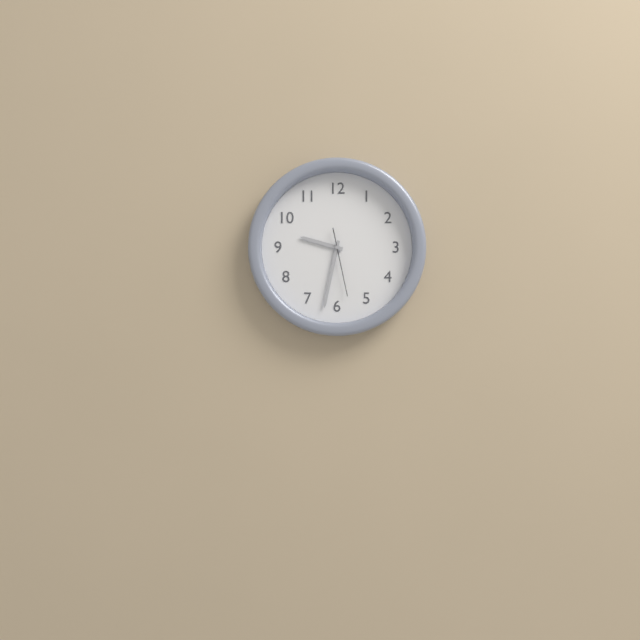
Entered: 9.32.28
